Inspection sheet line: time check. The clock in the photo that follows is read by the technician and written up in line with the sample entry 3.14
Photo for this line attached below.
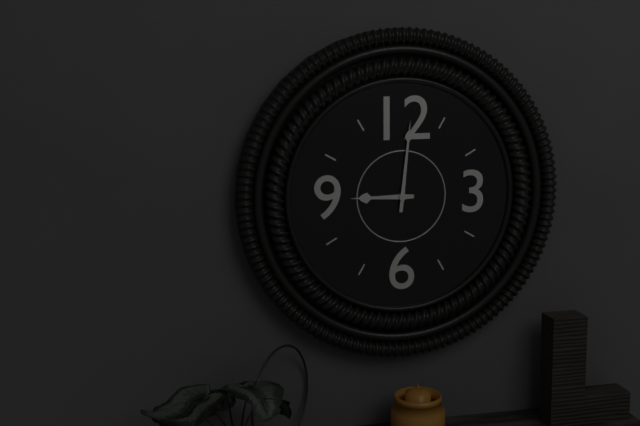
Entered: 9.01
